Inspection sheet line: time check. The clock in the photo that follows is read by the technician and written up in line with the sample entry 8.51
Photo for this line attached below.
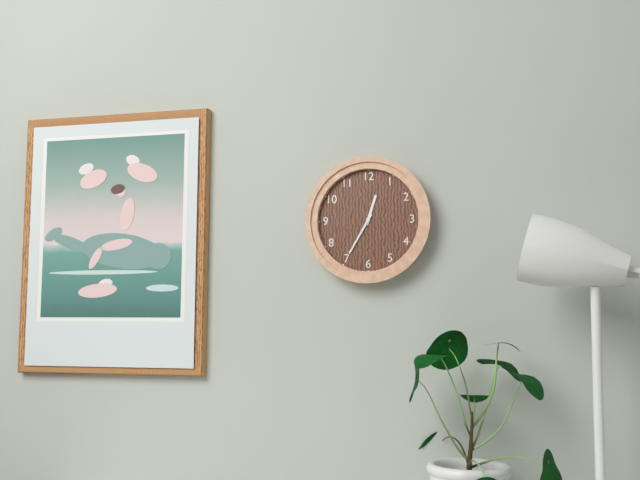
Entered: 12.35
